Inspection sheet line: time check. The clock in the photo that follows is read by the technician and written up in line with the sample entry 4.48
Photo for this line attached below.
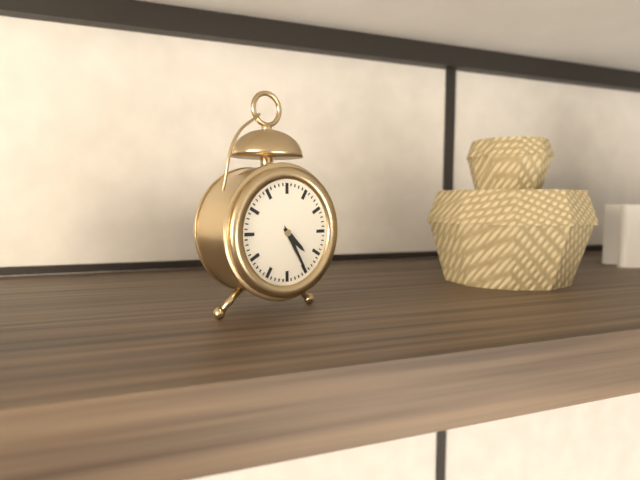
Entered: 4.25
